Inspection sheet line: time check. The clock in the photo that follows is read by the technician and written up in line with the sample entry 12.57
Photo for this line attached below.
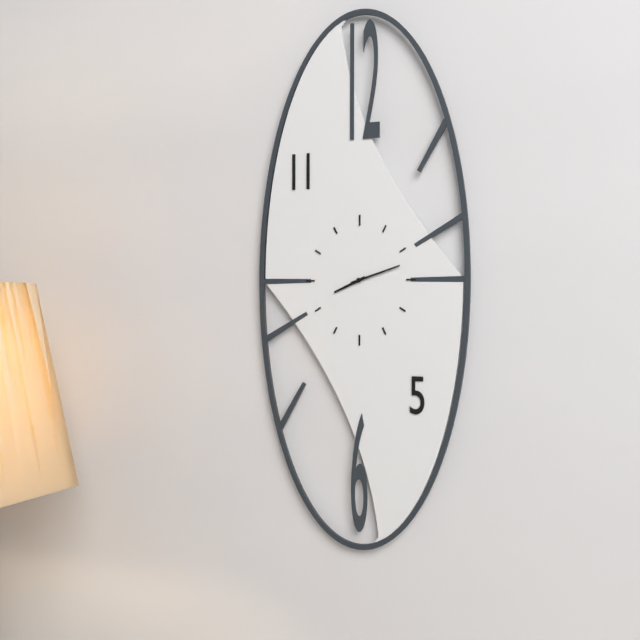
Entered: 8.12
